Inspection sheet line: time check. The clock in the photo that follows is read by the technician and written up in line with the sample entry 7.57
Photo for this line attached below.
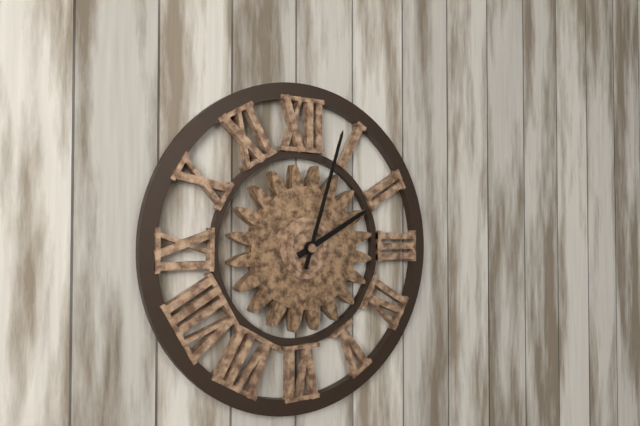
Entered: 2.03
